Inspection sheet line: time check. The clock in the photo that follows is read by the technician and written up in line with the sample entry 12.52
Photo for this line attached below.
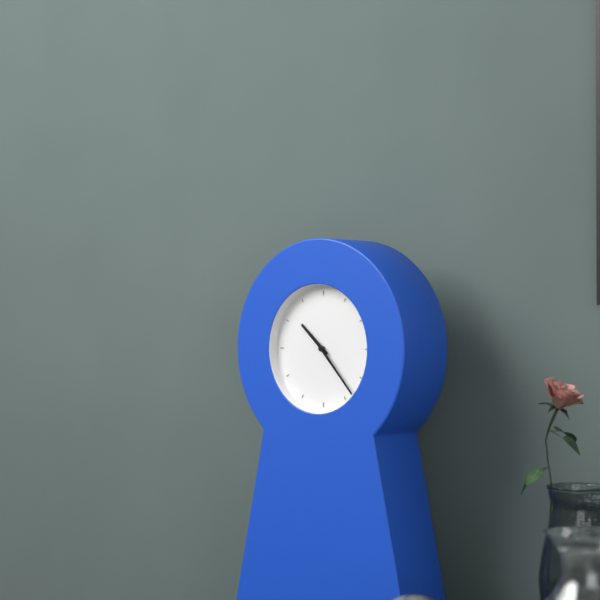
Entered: 10.23
